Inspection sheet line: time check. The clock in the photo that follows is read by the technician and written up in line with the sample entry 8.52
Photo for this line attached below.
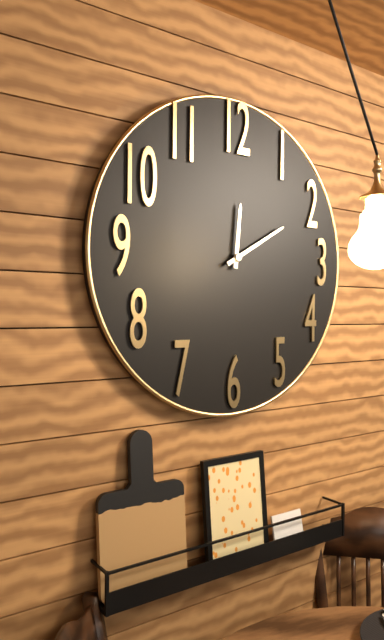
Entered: 12.10
